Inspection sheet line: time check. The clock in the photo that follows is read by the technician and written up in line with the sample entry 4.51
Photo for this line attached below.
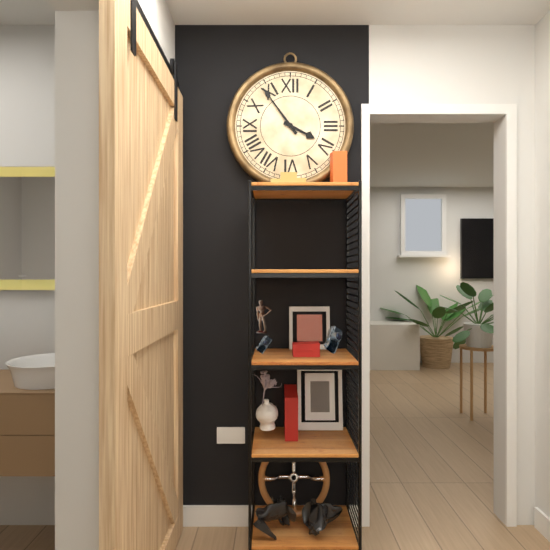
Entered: 3.54
